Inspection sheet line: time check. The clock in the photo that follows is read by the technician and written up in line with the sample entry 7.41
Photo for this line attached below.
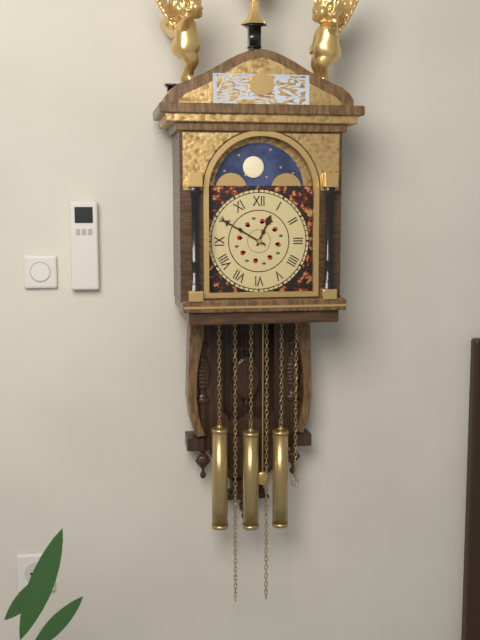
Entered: 12.50
